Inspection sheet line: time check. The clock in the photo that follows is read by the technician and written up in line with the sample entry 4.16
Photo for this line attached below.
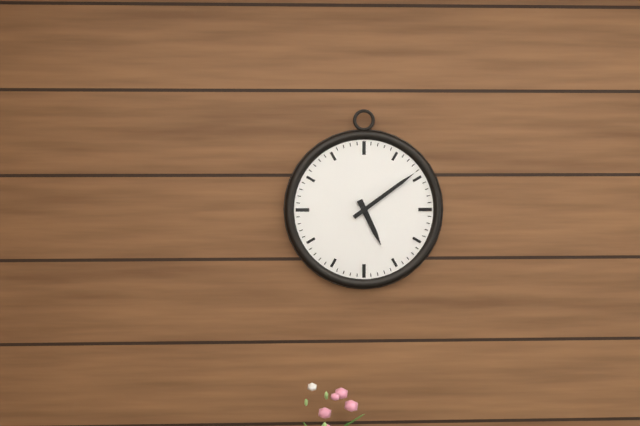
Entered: 5.09
